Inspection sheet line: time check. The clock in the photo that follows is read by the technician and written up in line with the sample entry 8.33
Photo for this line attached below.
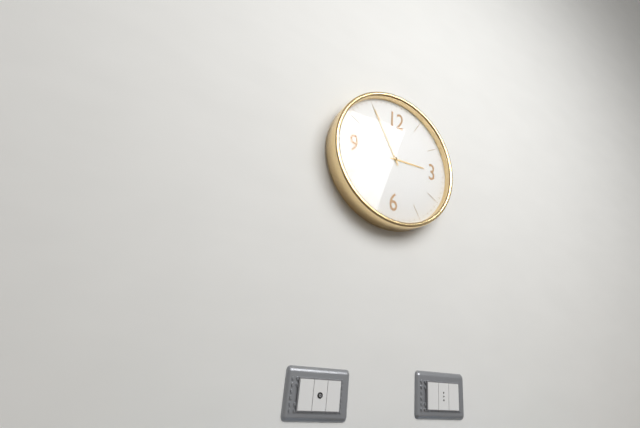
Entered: 2.55
